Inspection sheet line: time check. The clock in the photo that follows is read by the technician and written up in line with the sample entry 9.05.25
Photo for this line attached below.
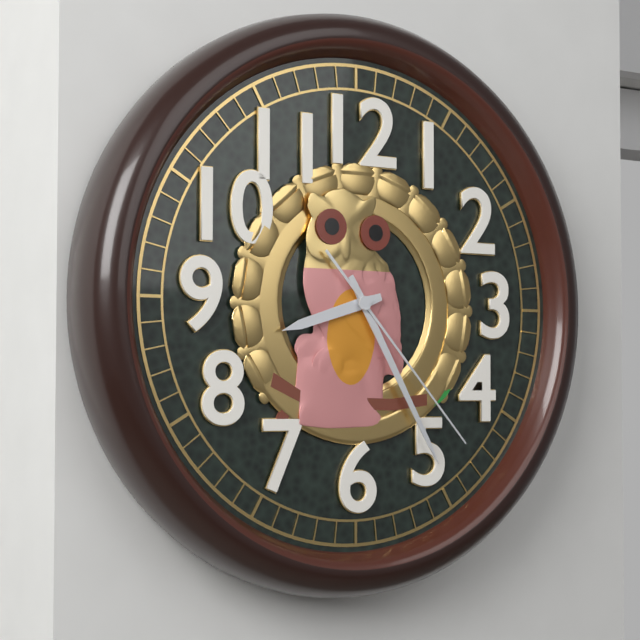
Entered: 8.25.23
